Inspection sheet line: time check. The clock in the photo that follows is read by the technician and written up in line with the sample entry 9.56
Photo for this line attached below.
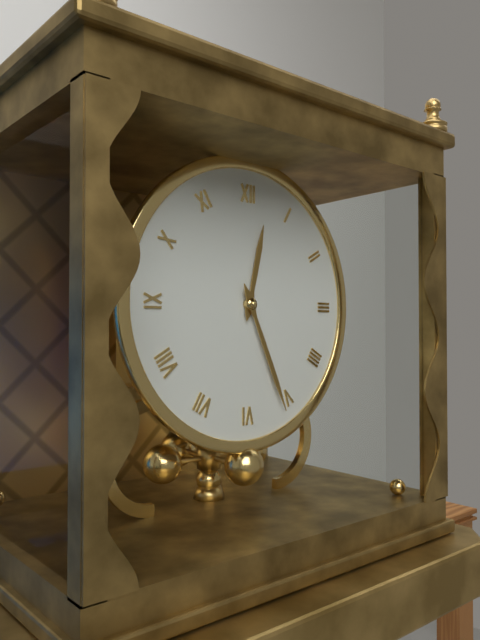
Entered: 12.26
